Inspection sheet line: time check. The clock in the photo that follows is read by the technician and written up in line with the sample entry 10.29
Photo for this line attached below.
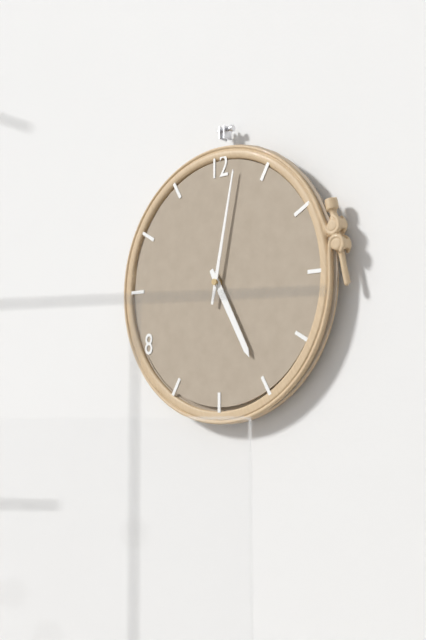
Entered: 5.02
